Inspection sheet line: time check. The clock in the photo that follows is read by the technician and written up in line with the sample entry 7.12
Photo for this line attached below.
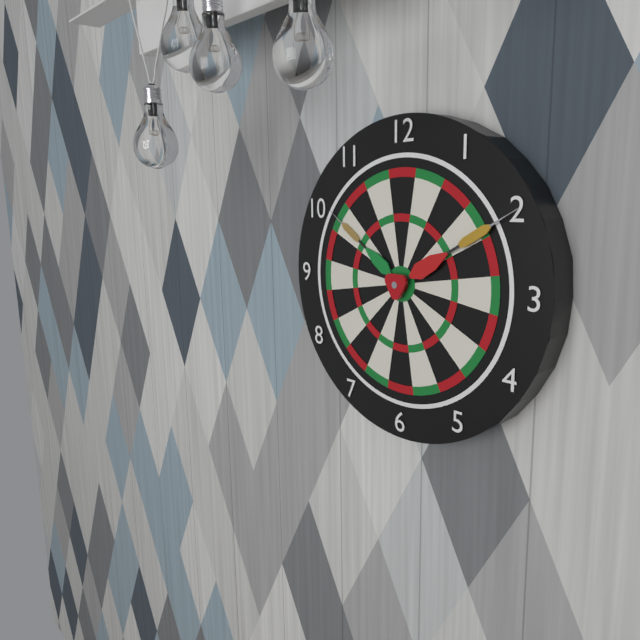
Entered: 10.10
